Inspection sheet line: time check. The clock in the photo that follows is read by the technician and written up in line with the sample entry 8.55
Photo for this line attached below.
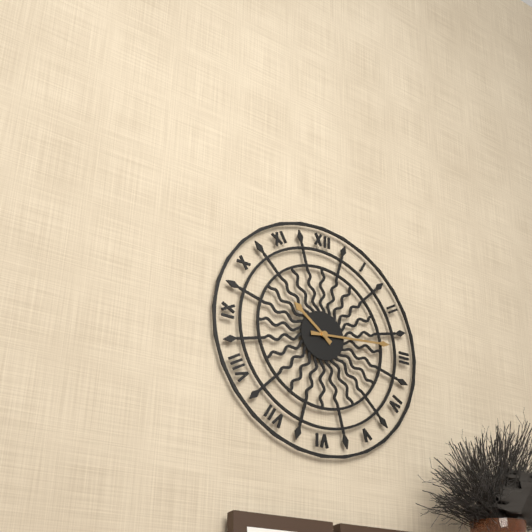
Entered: 10.14
